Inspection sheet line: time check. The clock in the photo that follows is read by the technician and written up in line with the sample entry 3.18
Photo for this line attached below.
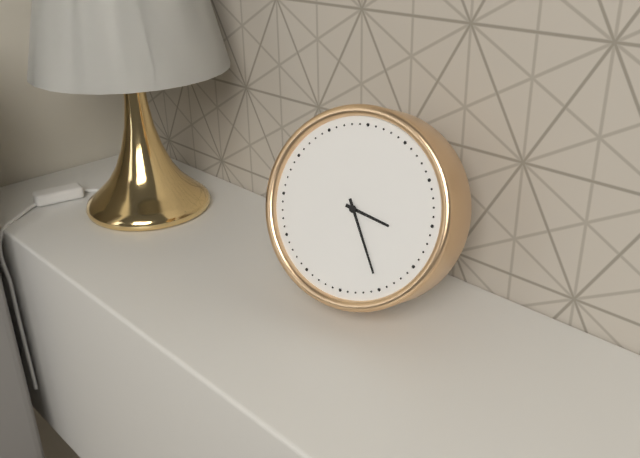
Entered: 3.25
